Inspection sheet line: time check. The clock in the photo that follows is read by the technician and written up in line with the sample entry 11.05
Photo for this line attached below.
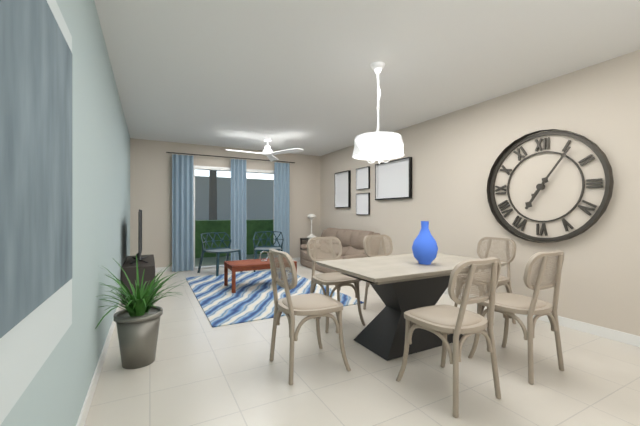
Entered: 7.06
